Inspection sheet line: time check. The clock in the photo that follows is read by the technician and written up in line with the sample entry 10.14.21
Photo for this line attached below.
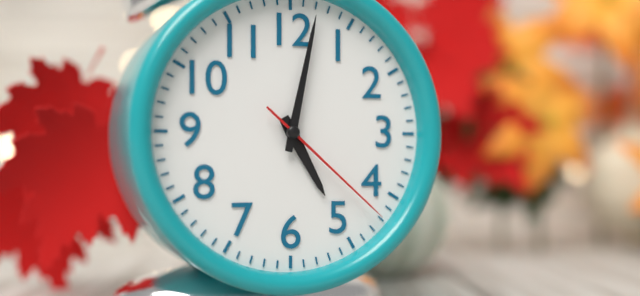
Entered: 5.02.22
